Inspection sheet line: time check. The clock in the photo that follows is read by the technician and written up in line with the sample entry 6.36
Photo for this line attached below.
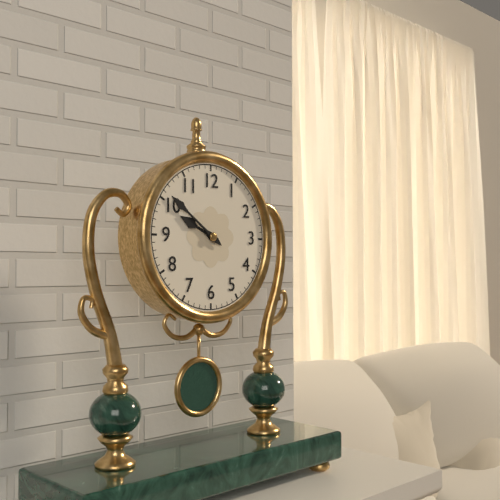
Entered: 9.51
